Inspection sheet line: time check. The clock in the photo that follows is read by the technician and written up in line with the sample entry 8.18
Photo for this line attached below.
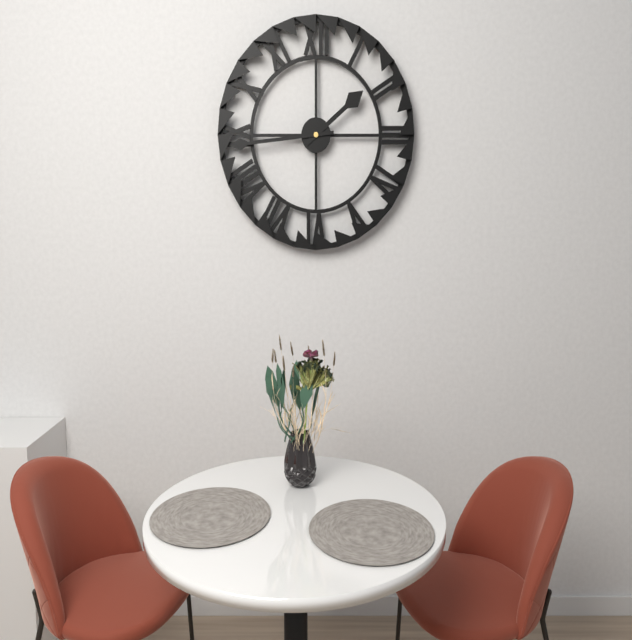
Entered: 1.44
